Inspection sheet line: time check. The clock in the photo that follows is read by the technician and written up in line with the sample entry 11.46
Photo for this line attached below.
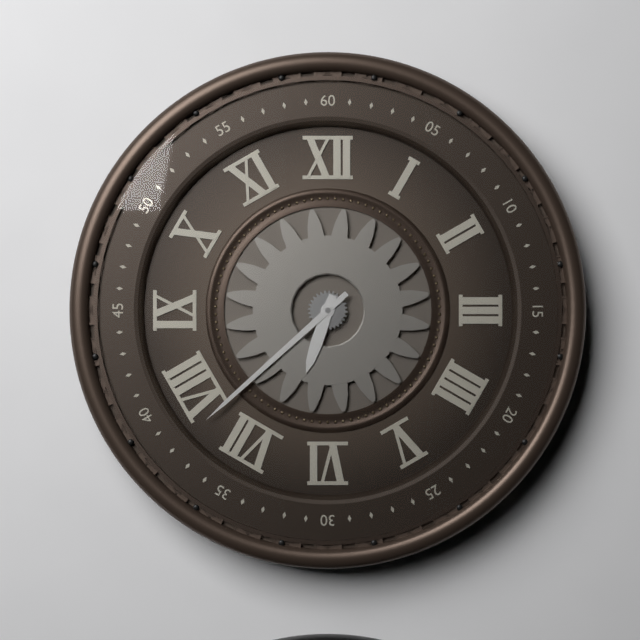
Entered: 6.38
